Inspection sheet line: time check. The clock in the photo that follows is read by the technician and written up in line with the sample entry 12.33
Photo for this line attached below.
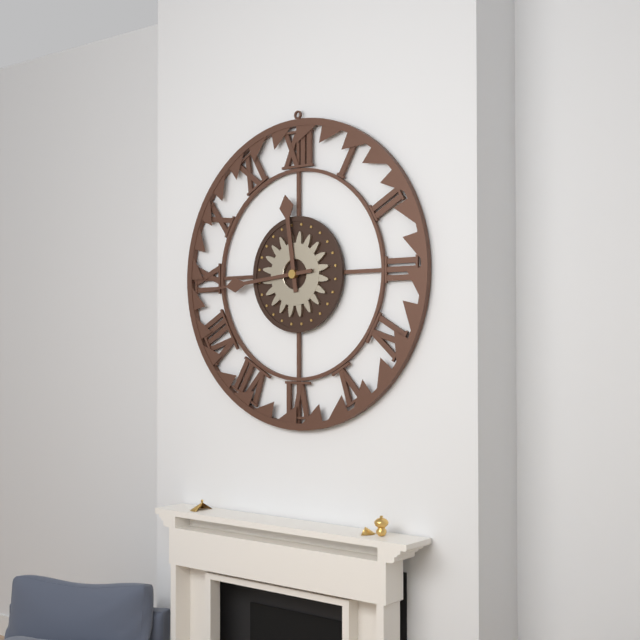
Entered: 11.44
